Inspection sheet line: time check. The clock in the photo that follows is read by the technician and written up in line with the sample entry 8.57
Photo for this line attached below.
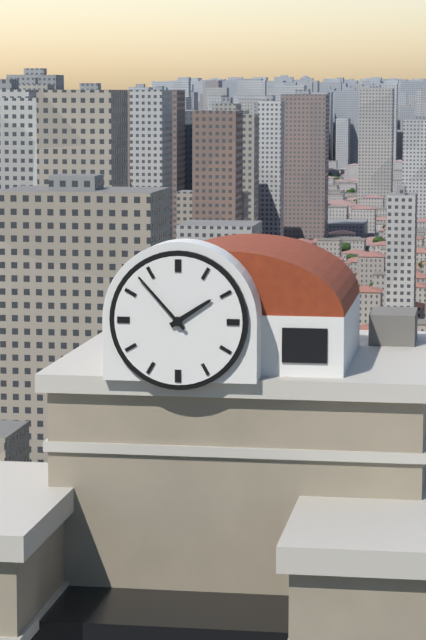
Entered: 1.53
